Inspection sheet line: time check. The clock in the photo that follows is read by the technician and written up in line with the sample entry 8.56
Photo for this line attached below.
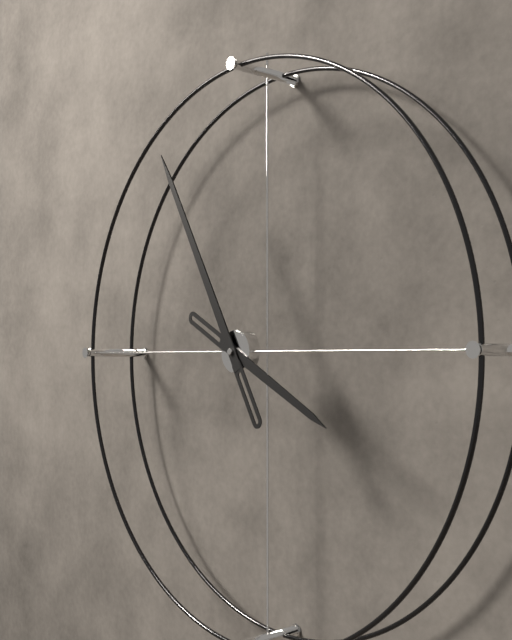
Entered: 3.55
